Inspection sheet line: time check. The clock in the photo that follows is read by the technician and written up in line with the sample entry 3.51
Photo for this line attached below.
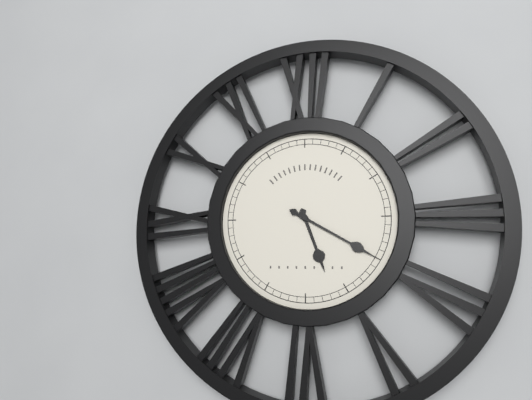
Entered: 5.20
